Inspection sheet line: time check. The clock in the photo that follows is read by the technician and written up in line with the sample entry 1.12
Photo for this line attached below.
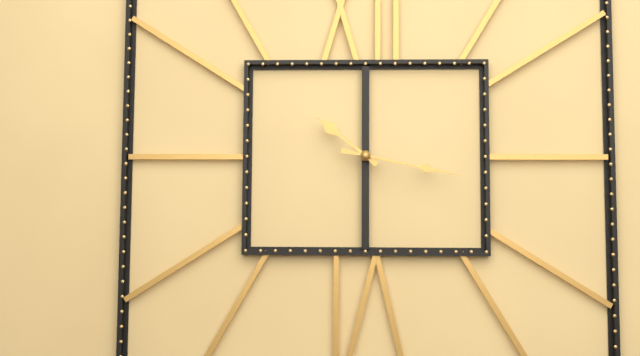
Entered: 10.17
